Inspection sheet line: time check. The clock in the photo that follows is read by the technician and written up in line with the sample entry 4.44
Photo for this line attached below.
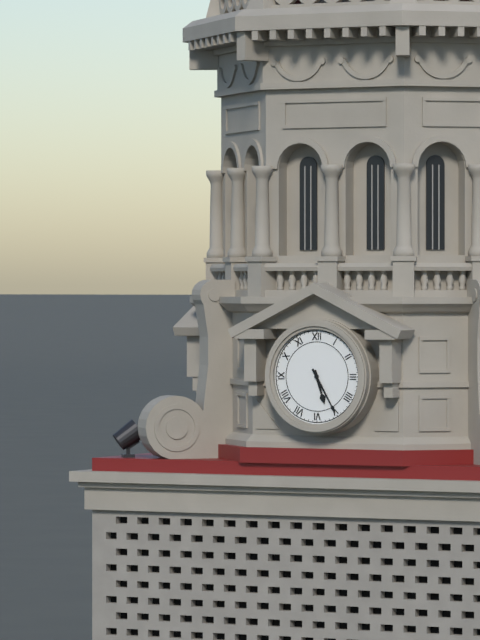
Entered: 5.25
